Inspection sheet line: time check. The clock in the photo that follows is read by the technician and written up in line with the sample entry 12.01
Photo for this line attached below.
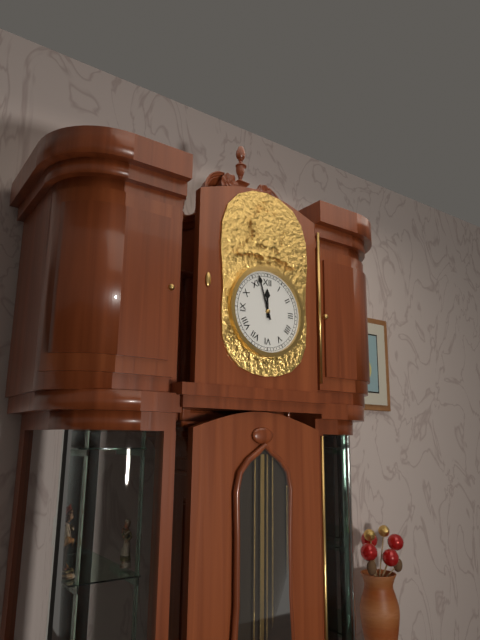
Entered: 11.57
